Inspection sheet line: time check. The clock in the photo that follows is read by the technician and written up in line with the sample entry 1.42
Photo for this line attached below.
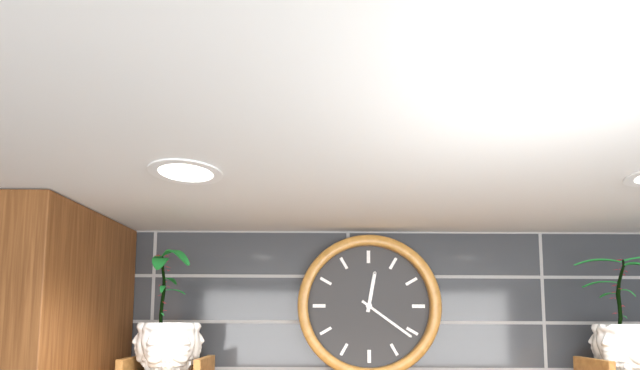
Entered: 12.21
